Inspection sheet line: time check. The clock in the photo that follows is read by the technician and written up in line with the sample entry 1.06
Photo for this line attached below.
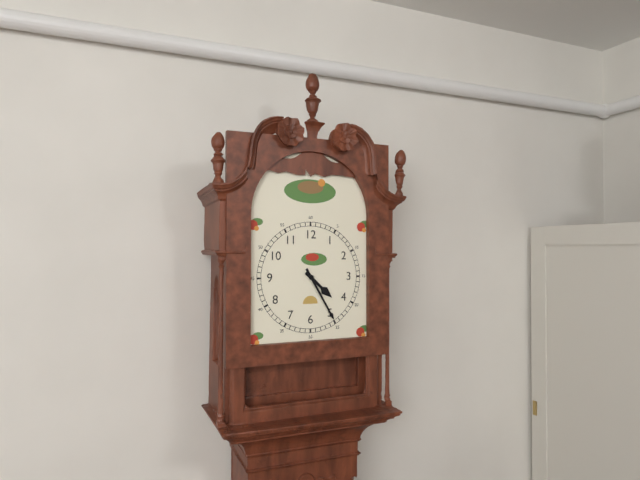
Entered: 4.25
